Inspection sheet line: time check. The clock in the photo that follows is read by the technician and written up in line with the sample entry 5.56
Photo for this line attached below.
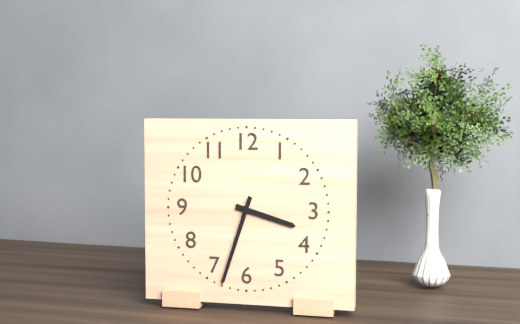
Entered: 3.33
